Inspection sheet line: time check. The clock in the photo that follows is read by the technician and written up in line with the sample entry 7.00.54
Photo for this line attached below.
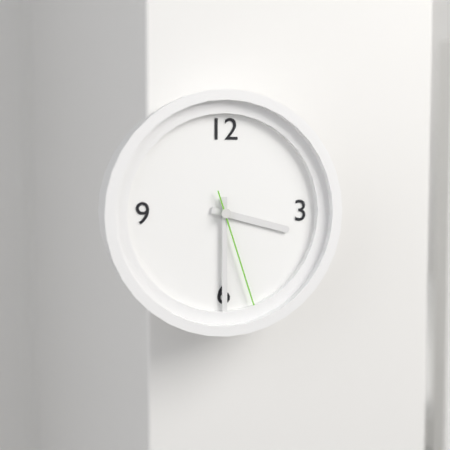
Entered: 3.30.27
